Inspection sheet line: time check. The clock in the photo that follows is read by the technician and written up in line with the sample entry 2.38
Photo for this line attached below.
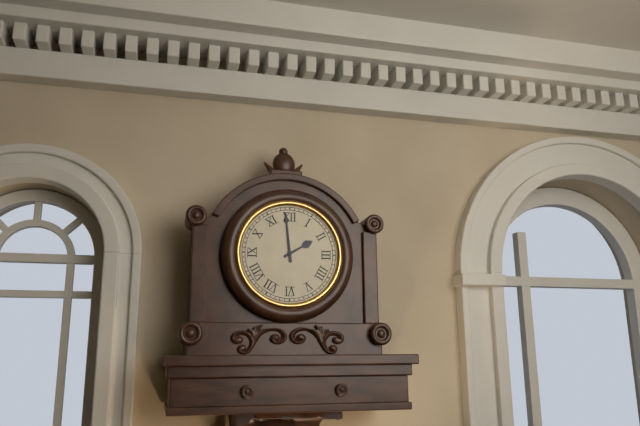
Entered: 1.59
